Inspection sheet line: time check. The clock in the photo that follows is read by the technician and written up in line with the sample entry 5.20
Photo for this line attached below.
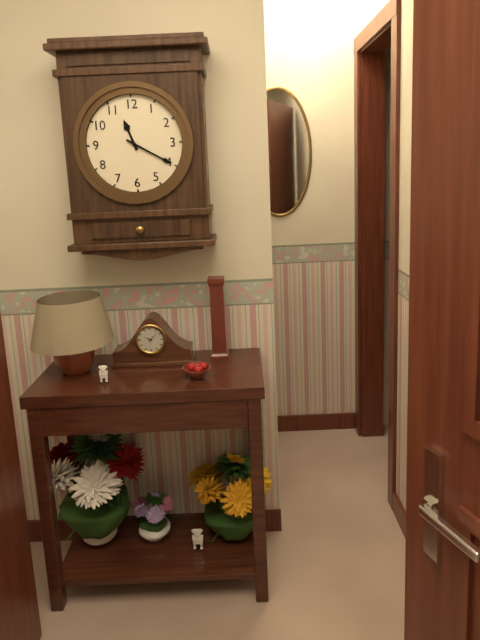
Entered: 11.20
